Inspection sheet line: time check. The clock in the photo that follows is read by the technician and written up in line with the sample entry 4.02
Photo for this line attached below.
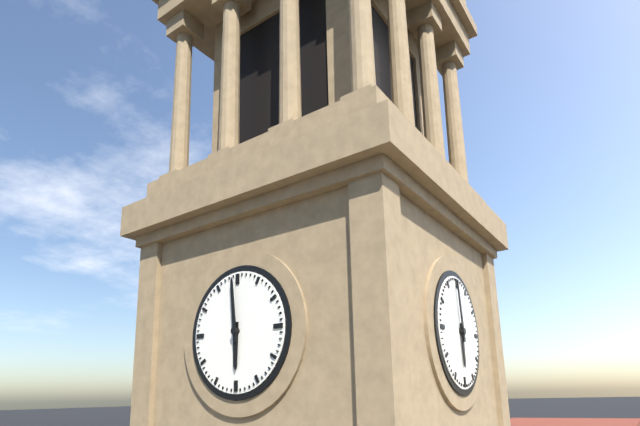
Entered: 5.59
